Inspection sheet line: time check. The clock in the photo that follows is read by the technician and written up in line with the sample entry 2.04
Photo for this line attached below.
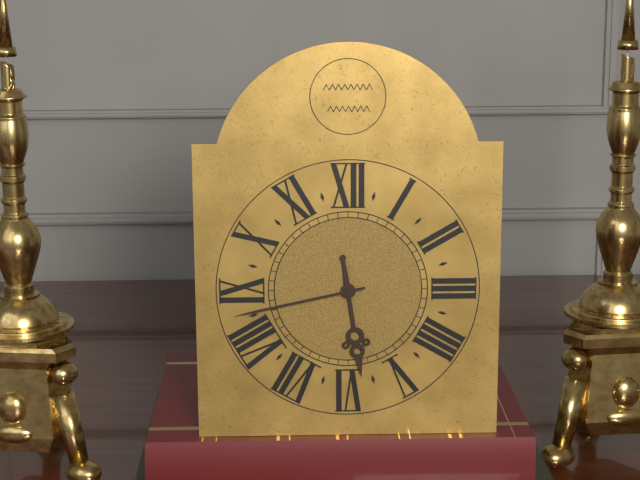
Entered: 5.43
